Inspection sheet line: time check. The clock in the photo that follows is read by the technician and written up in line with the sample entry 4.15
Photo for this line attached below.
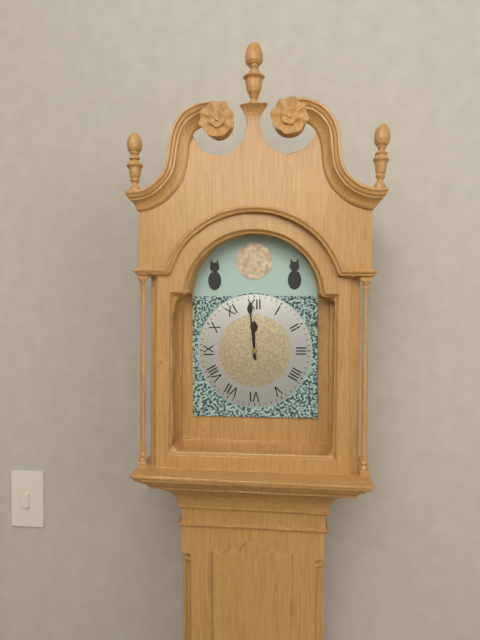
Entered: 11.59
